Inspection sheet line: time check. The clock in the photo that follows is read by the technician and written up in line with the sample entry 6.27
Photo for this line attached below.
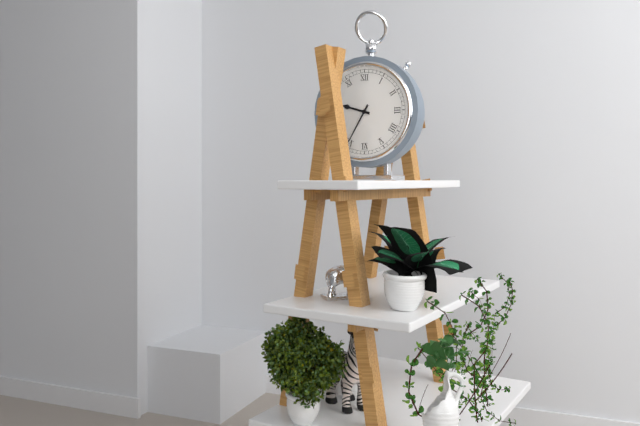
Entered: 9.35
